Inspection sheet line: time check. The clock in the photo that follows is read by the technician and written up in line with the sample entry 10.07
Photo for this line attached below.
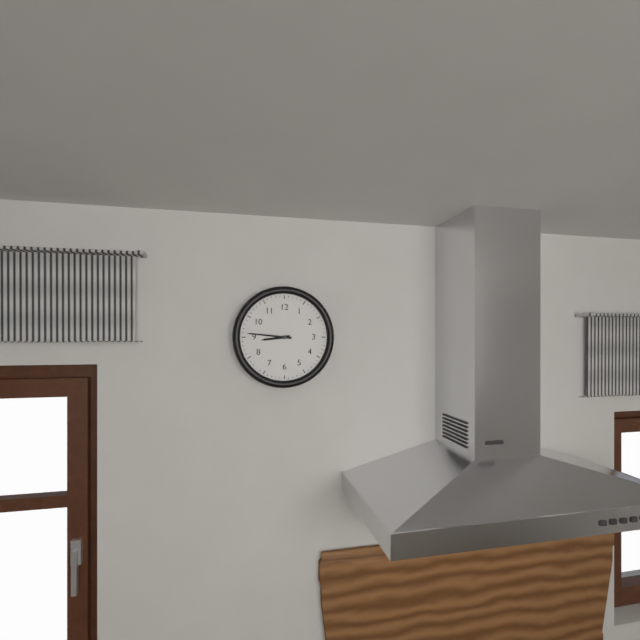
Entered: 8.46
